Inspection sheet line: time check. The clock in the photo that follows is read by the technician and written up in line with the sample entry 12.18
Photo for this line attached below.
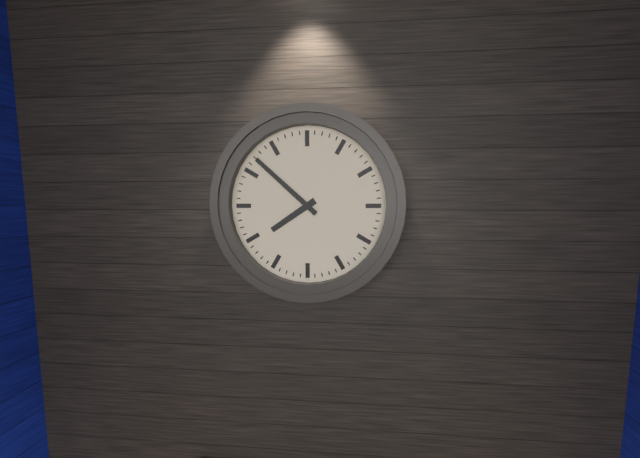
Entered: 7.52
